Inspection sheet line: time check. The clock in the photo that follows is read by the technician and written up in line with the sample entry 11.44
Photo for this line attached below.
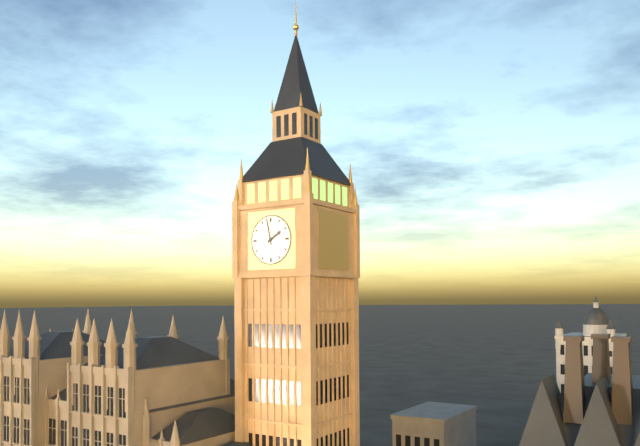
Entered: 1.58
